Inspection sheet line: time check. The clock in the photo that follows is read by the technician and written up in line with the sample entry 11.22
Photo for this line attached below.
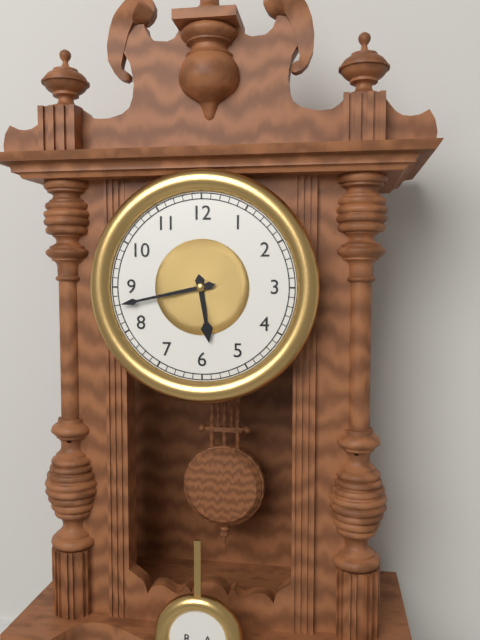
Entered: 5.43
